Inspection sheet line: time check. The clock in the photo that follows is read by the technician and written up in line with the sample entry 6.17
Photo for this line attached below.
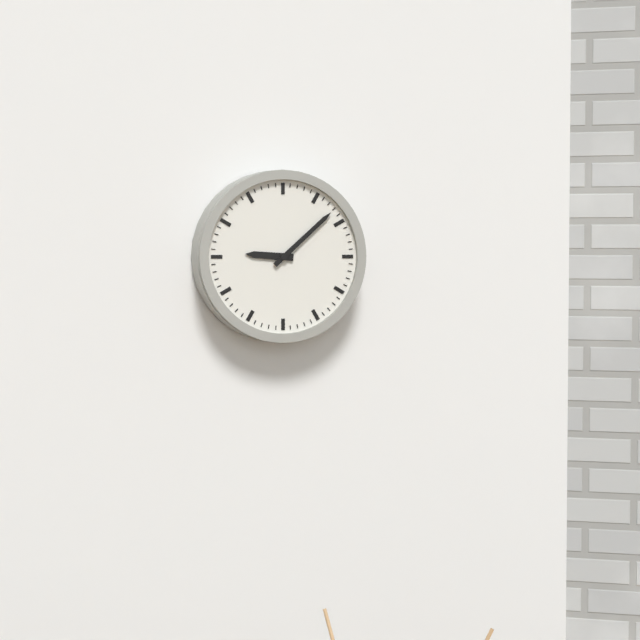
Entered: 9.08
